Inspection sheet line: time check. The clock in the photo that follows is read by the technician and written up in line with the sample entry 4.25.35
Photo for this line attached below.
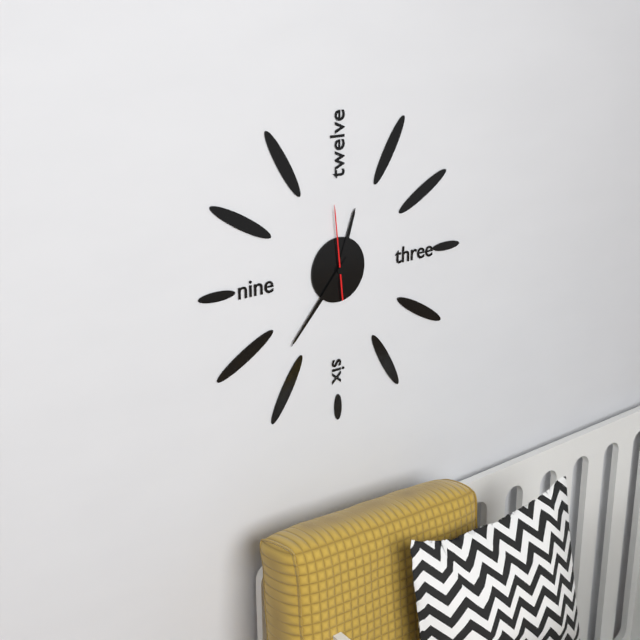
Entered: 12.37.59
